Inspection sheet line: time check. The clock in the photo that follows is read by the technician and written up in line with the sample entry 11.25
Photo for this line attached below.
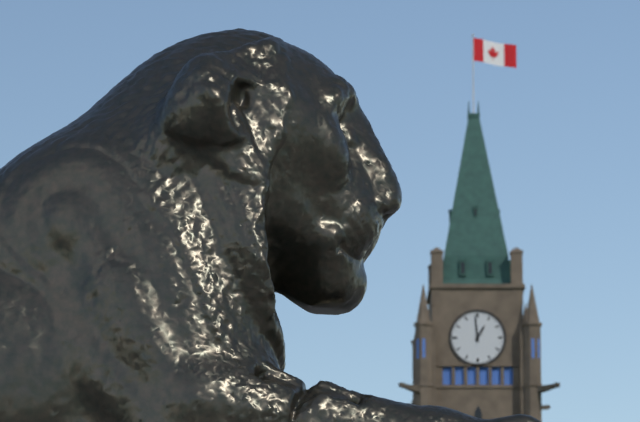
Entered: 12.59
